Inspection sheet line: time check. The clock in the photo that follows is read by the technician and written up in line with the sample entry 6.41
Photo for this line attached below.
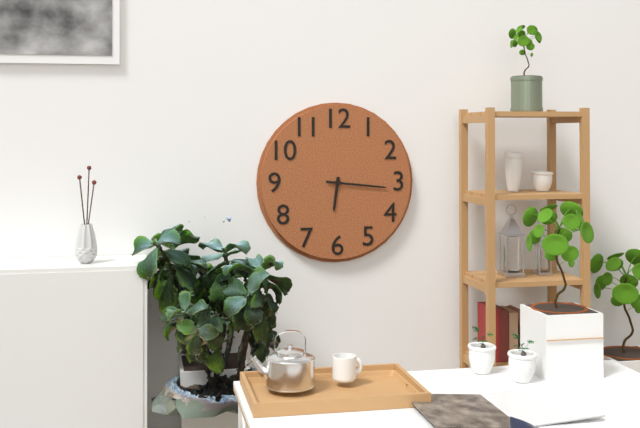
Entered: 6.16
